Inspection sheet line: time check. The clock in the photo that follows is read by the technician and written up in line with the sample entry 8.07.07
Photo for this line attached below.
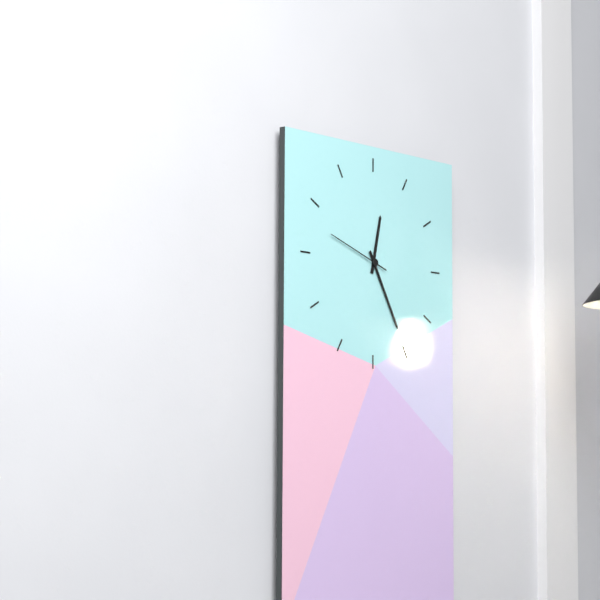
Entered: 12.25.48
